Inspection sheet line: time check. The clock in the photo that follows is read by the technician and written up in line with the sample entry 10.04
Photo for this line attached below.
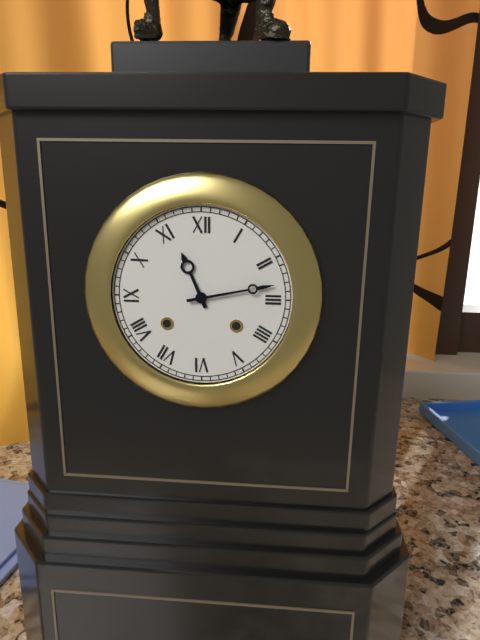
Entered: 11.13
